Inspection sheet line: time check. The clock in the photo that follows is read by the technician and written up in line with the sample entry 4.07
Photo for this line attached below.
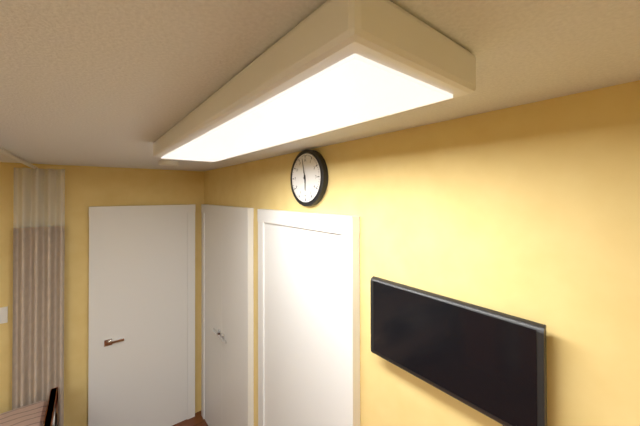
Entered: 5.58
